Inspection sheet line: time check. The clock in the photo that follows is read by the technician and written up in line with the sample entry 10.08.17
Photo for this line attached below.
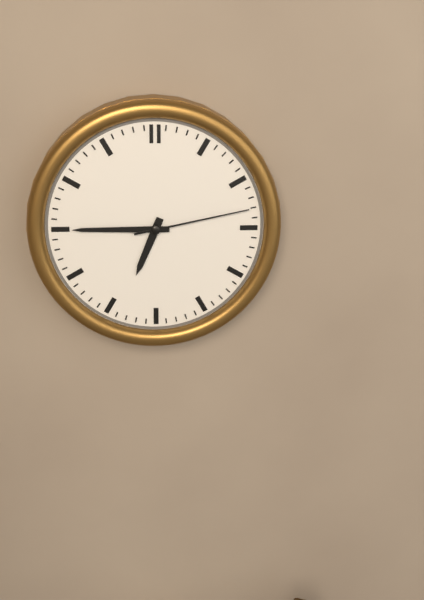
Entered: 6.45.13
